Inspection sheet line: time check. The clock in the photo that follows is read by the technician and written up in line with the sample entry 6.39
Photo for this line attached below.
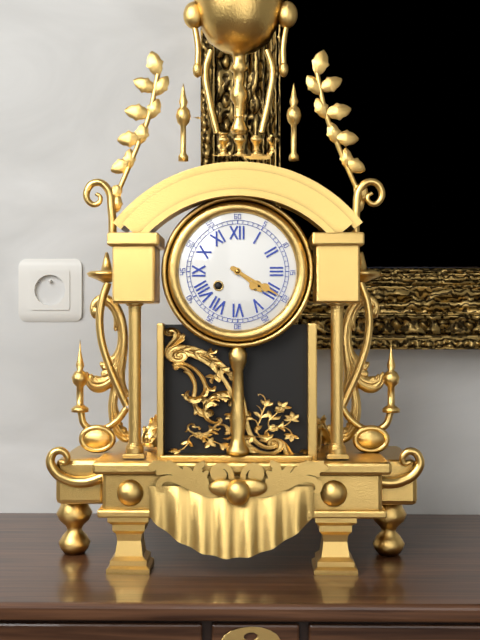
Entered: 4.20
